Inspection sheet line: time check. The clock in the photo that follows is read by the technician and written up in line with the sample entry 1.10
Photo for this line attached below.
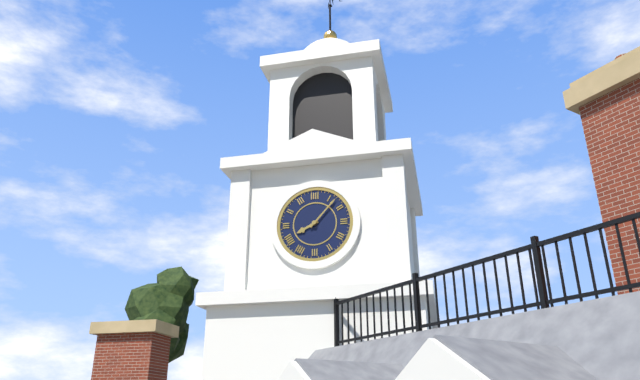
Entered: 8.07
